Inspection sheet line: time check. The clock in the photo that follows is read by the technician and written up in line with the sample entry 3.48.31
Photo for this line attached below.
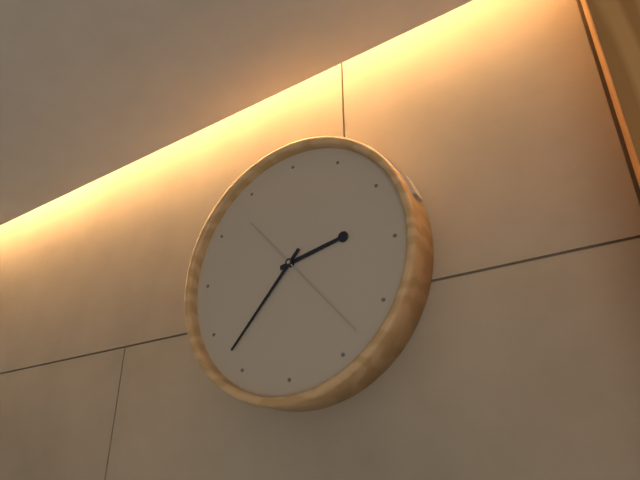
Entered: 2.37.23
